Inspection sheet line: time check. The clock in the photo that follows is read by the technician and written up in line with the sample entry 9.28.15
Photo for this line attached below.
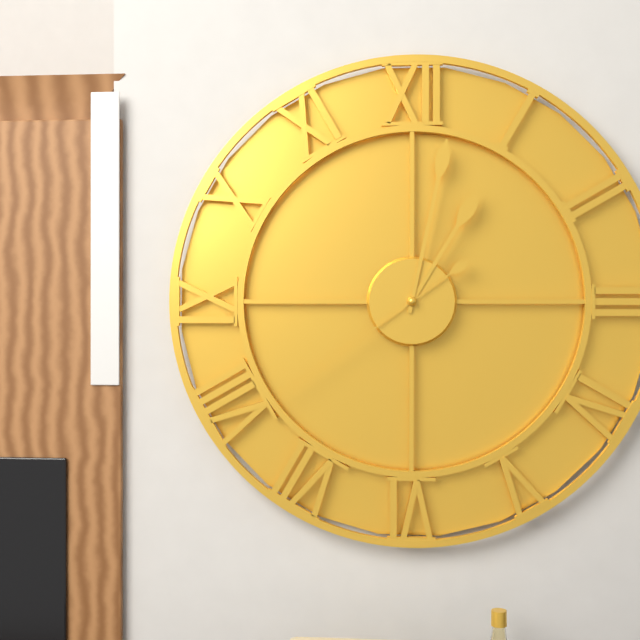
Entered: 1.02.39
